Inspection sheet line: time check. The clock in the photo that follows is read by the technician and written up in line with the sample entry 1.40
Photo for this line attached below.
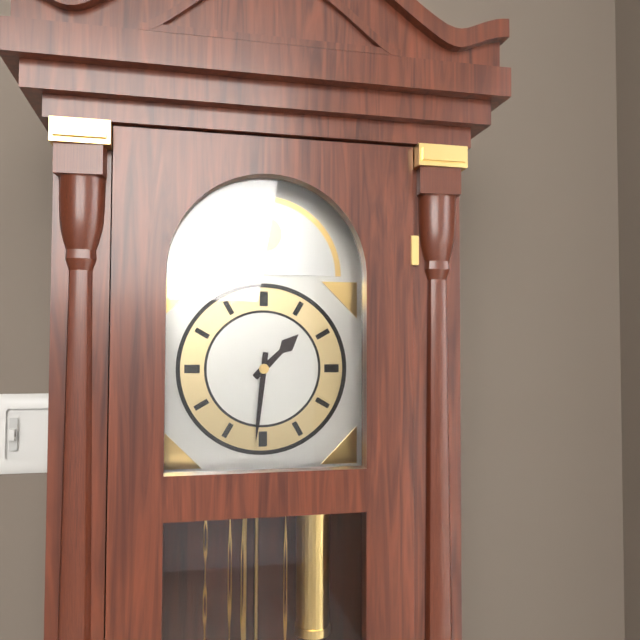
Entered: 1.31
